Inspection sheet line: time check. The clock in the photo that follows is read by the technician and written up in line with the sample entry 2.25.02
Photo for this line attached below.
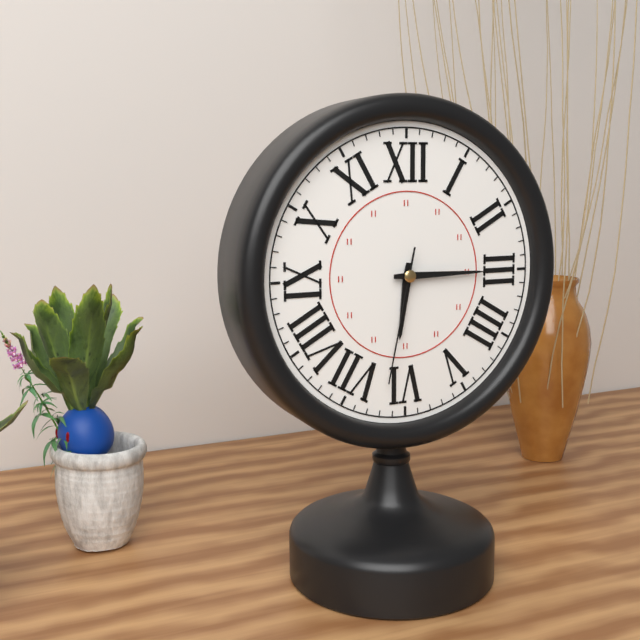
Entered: 6.15.32
